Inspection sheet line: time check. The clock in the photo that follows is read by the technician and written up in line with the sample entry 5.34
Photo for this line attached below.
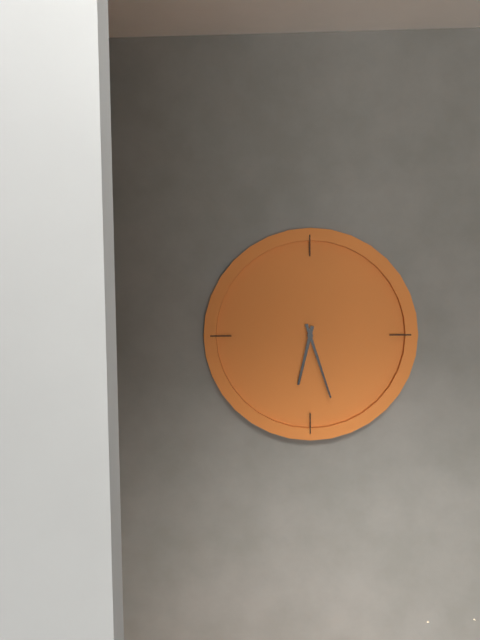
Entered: 6.27
